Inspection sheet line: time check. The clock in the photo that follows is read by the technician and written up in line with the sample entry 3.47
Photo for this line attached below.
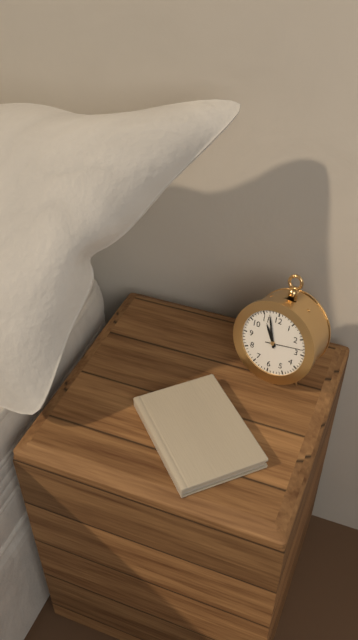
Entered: 10.57
